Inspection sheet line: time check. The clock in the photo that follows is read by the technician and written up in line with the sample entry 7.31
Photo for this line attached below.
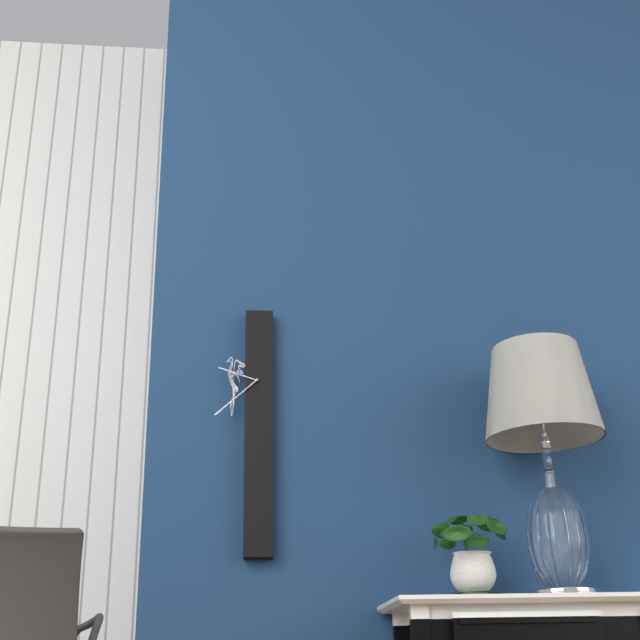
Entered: 9.38
